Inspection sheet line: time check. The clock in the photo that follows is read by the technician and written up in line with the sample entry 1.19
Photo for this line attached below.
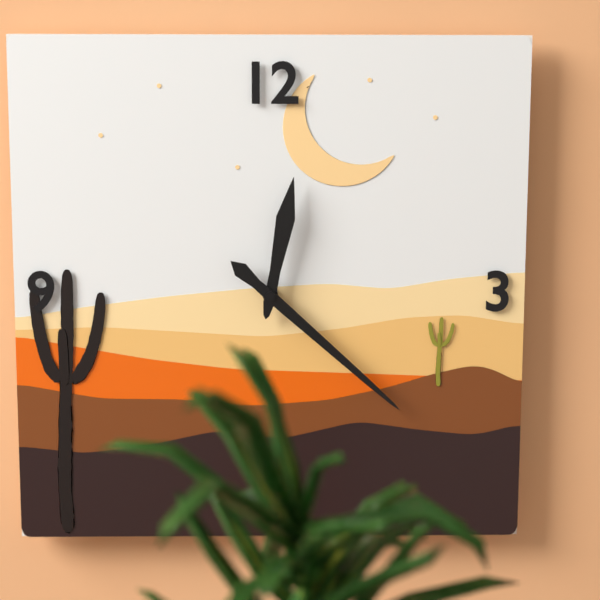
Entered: 12.22
